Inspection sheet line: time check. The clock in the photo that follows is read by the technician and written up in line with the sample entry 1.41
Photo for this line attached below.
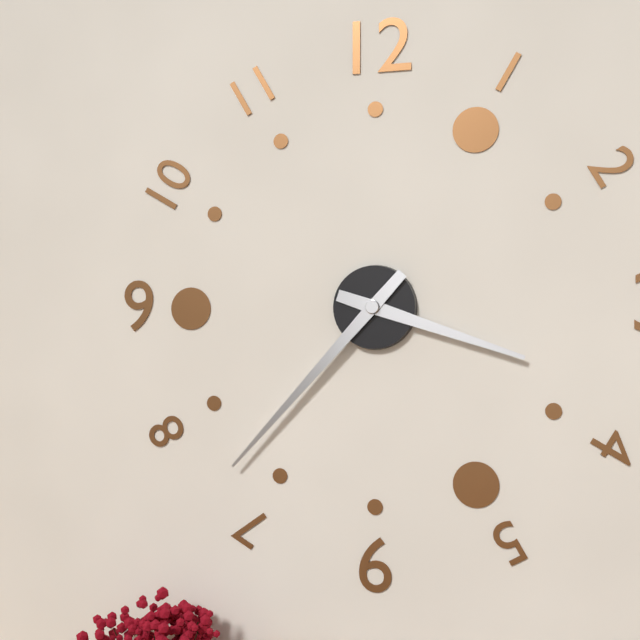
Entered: 3.37
